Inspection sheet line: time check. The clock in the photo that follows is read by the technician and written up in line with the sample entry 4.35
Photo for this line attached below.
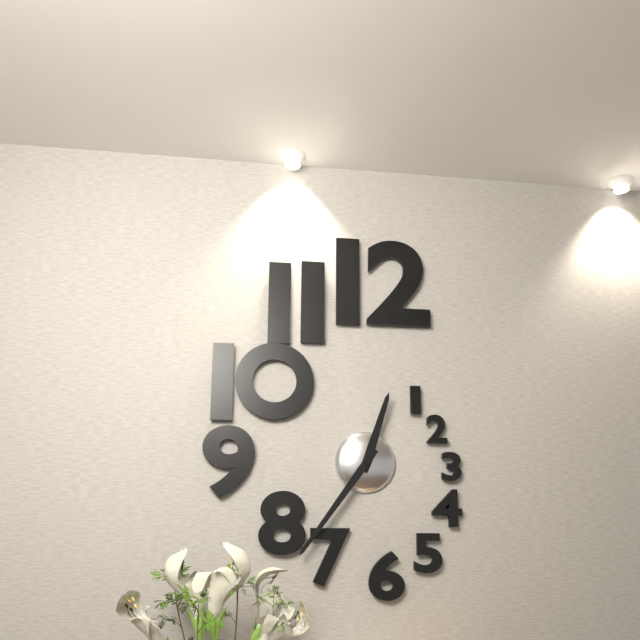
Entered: 12.36
